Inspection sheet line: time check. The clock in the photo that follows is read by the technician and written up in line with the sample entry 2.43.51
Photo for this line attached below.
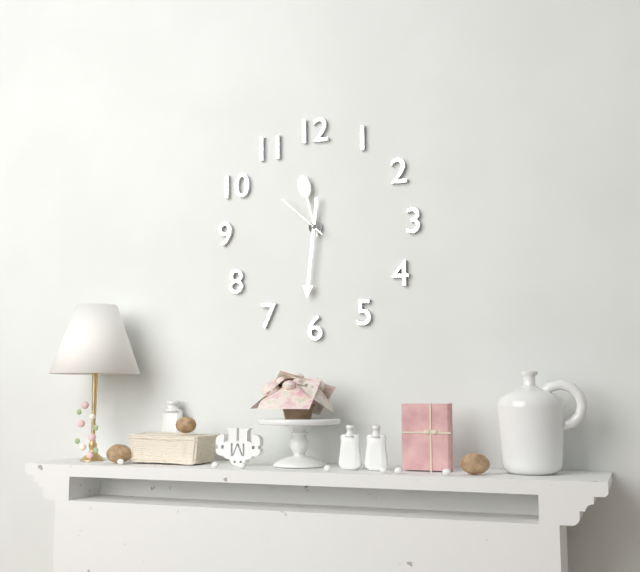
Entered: 11.31.52
